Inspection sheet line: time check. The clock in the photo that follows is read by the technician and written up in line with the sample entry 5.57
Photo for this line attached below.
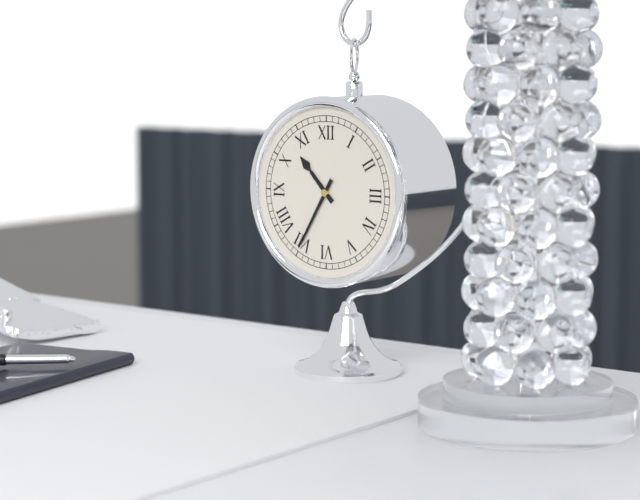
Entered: 10.35
